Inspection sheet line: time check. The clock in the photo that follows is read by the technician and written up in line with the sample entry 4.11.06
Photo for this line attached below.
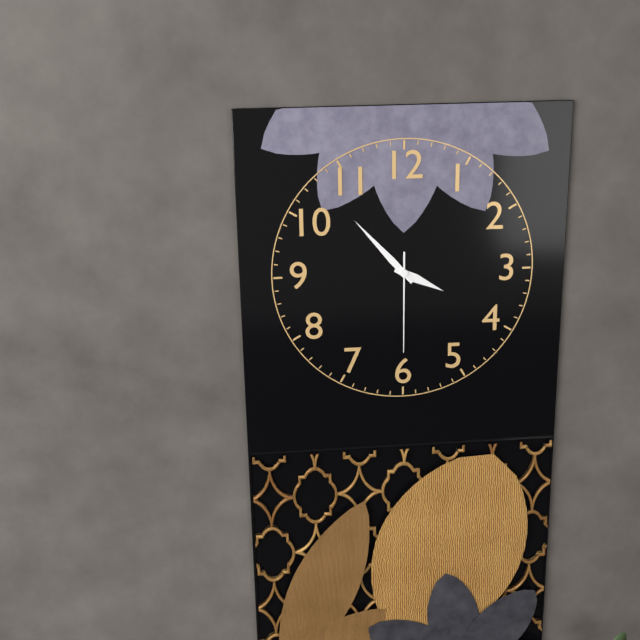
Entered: 3.53.30
